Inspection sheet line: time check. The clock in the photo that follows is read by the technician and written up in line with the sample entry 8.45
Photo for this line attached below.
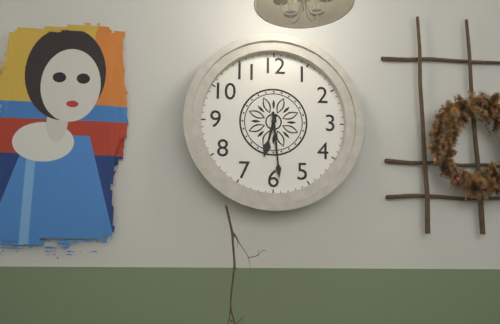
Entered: 6.29
